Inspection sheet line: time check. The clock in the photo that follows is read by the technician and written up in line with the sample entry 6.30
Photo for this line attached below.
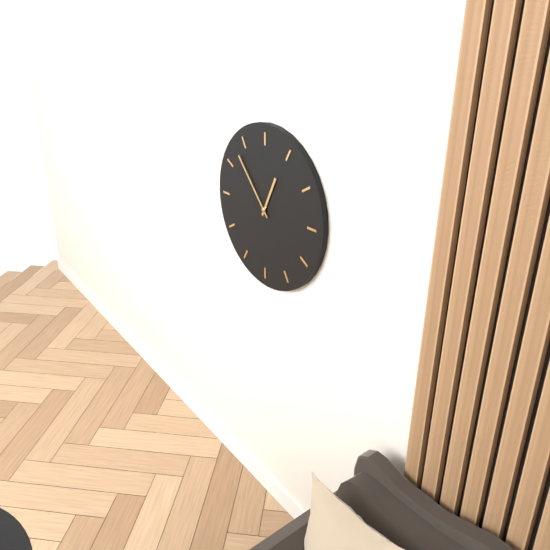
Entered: 12.53
